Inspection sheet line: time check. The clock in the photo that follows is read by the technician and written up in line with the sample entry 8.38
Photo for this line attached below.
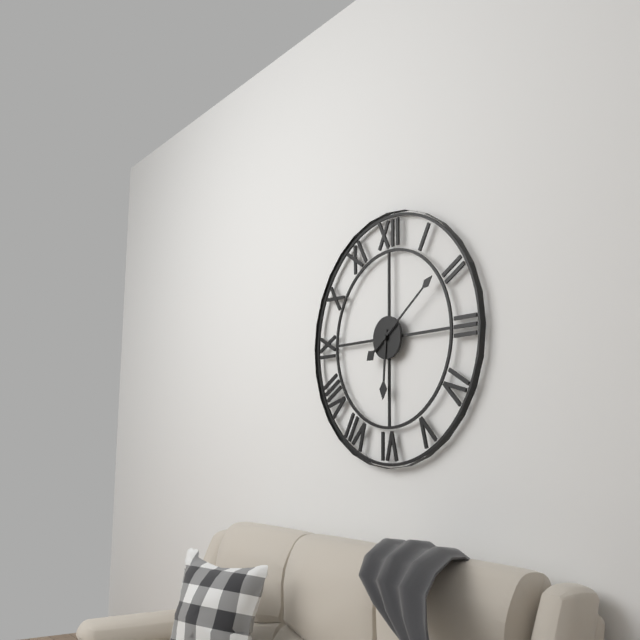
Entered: 6.09
